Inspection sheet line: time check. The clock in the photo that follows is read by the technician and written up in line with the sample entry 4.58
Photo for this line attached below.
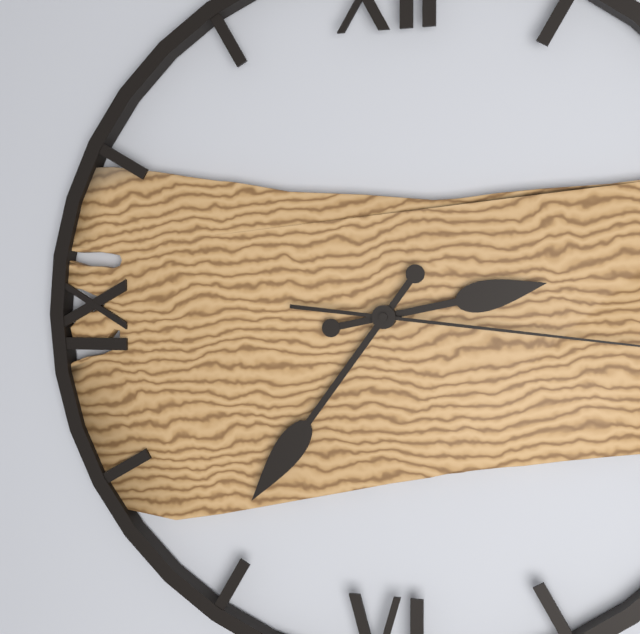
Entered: 2.36
